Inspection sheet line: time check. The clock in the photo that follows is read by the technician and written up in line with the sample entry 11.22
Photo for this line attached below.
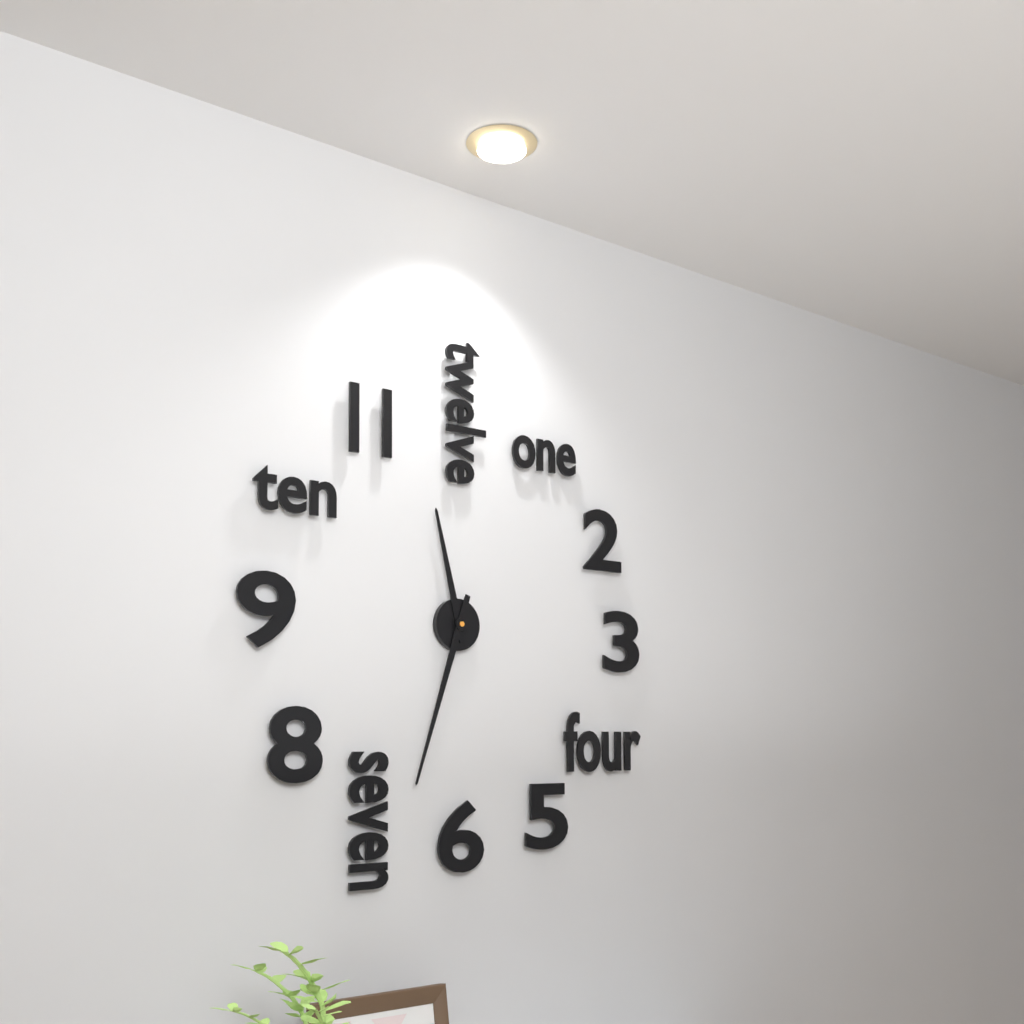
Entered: 11.33
